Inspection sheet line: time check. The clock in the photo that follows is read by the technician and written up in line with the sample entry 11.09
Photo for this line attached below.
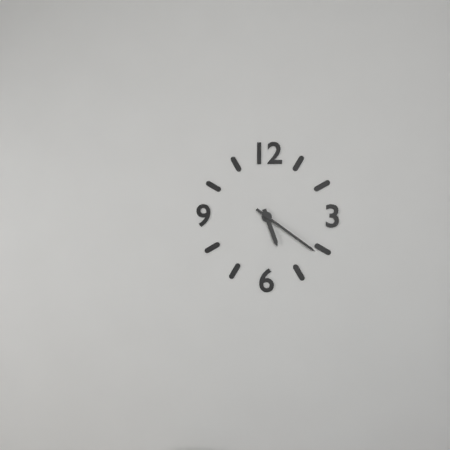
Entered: 5.21
